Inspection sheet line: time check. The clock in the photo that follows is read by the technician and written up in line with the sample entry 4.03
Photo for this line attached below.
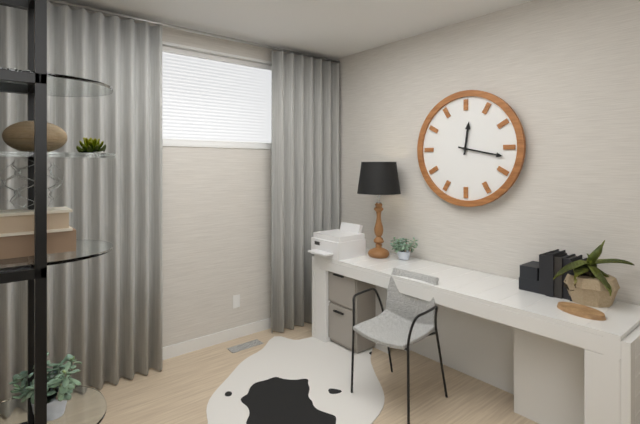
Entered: 12.17
